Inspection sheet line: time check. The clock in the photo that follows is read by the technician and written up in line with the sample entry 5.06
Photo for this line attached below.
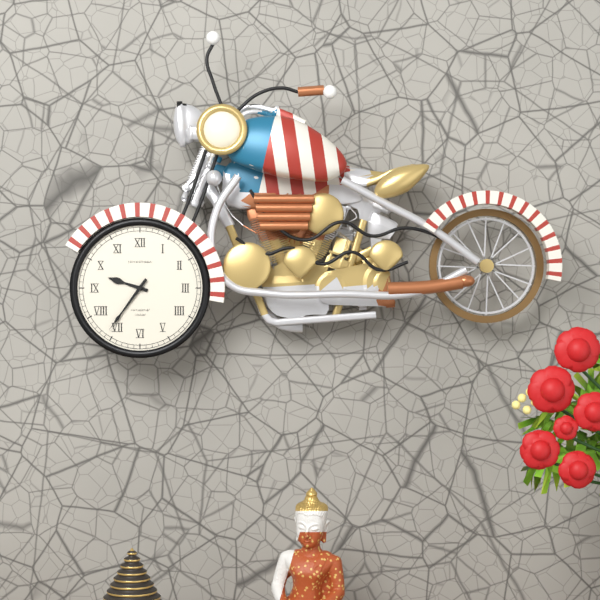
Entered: 9.36
